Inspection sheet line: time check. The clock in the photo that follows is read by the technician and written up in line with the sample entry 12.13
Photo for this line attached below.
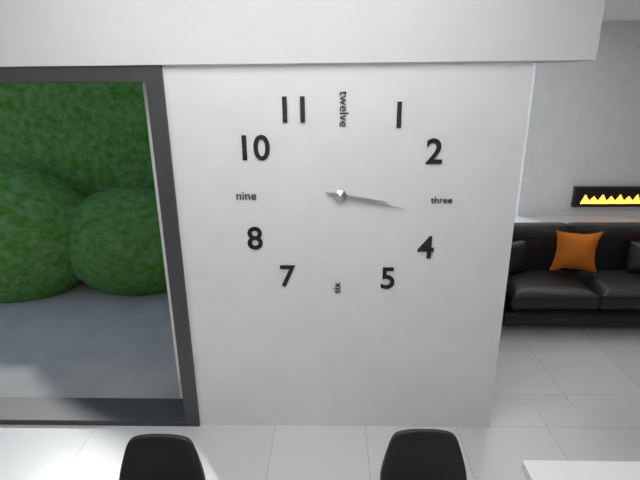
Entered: 3.17
